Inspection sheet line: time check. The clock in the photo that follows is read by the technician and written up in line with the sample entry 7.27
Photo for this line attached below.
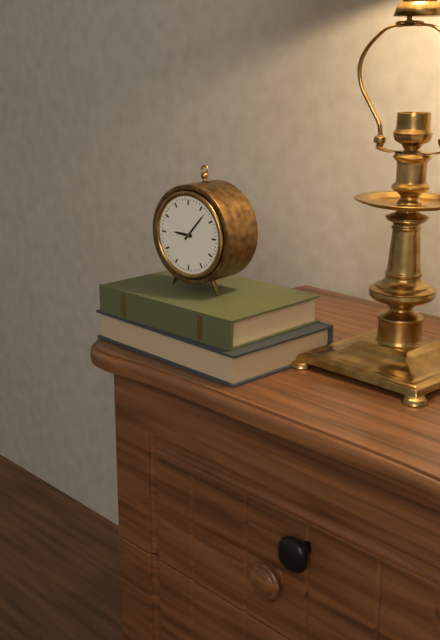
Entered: 9.07
